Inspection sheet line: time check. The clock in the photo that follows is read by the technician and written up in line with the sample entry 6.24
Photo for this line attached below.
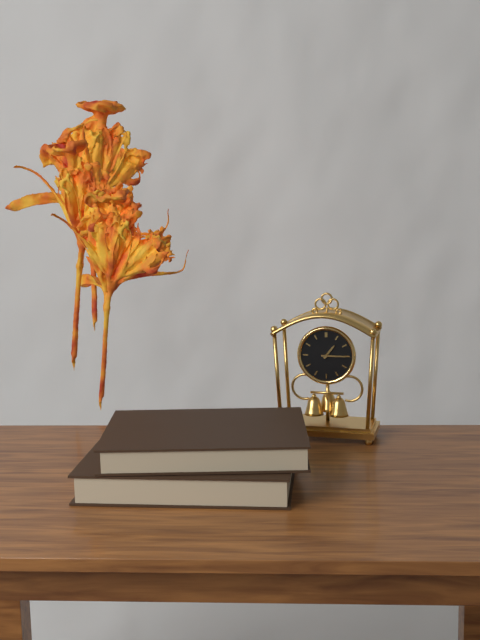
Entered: 1.15
